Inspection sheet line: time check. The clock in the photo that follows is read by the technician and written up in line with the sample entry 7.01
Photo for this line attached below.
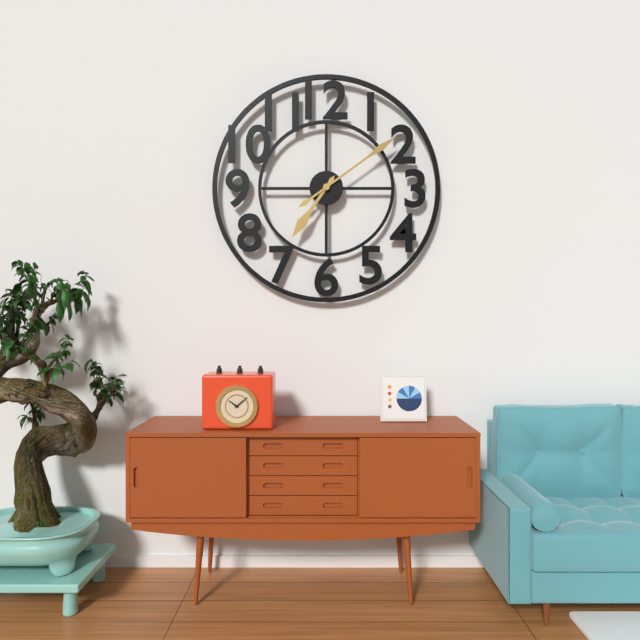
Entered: 7.09
